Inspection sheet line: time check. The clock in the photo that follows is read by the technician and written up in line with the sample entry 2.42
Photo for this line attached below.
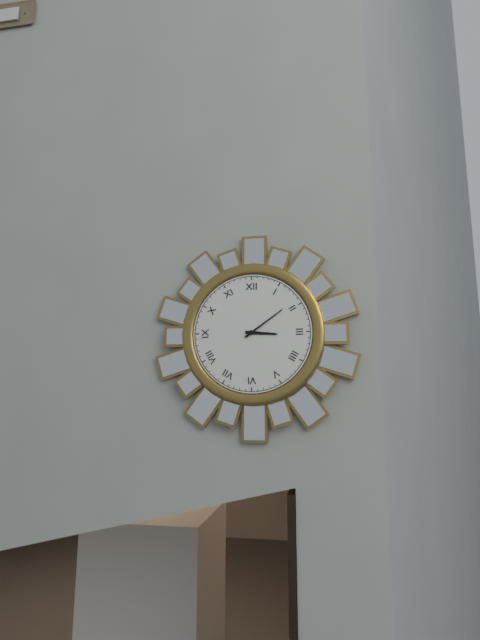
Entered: 3.09
